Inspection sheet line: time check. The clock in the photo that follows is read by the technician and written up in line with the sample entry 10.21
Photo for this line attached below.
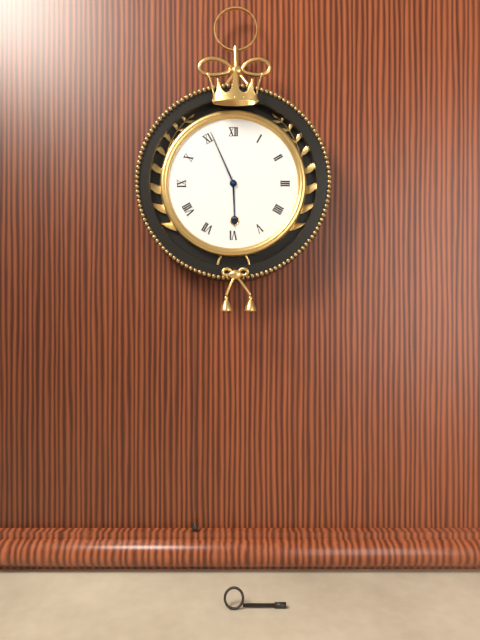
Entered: 5.56
